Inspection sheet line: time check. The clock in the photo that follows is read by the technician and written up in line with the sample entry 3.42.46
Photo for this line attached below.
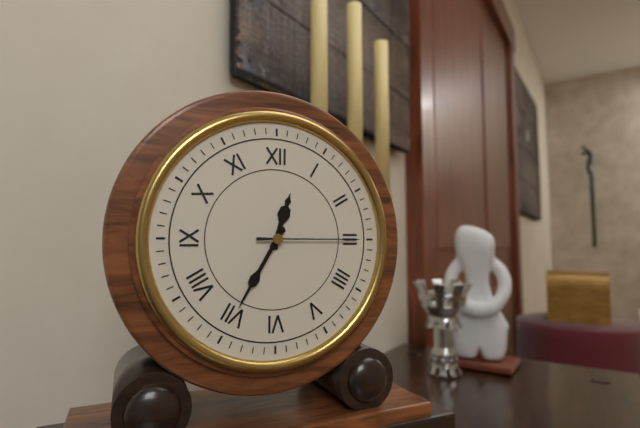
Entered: 12.35.15
